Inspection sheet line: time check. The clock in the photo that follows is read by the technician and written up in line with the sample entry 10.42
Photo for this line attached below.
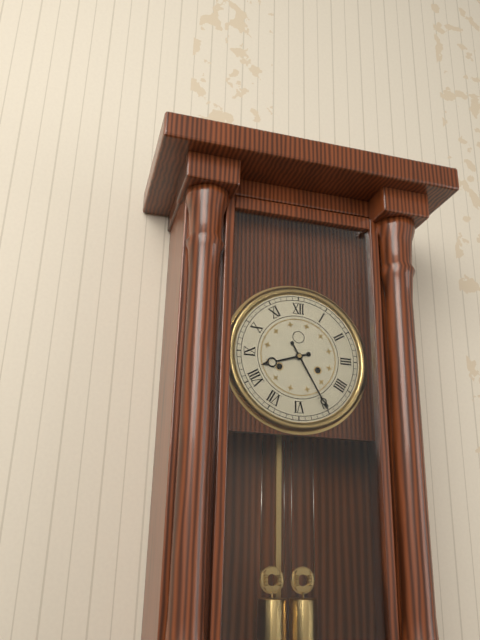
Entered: 8.25
